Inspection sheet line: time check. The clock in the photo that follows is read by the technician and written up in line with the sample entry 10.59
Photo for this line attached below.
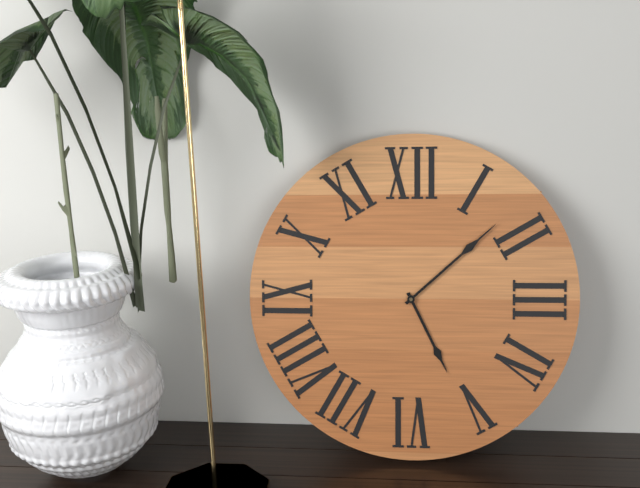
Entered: 5.08
